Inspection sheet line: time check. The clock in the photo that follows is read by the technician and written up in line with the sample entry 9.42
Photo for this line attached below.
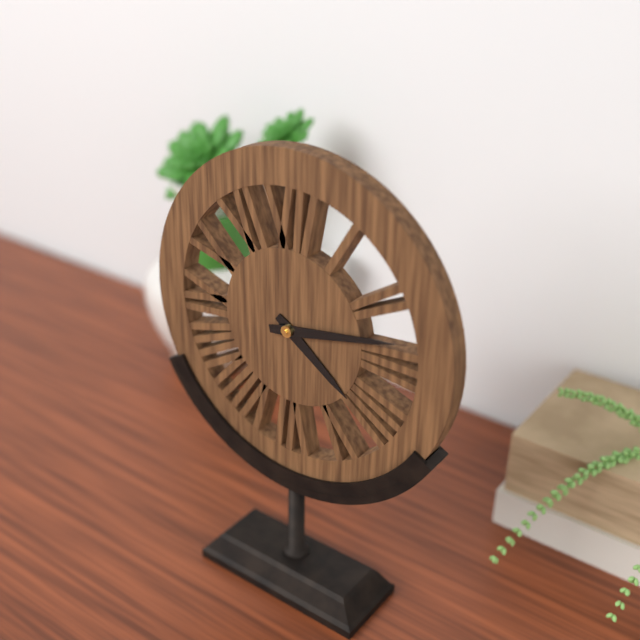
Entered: 4.13
